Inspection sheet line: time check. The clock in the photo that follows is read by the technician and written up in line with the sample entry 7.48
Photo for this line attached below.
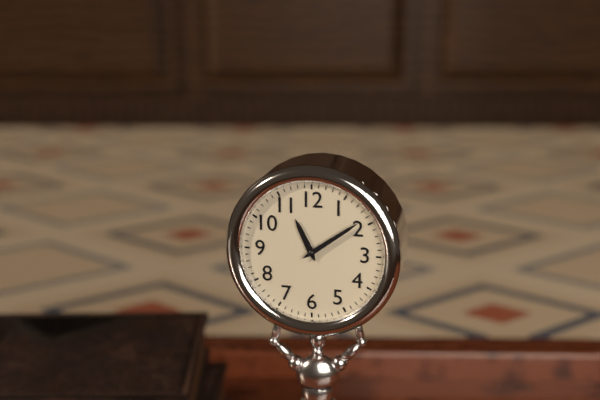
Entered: 11.09
